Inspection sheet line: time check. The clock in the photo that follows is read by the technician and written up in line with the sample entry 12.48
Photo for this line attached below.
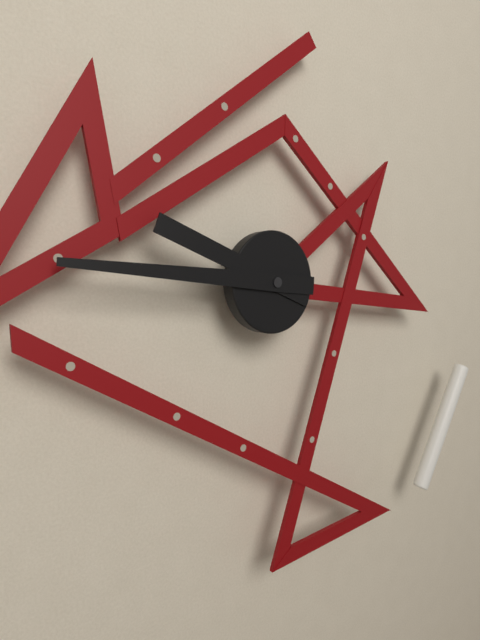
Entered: 9.46
